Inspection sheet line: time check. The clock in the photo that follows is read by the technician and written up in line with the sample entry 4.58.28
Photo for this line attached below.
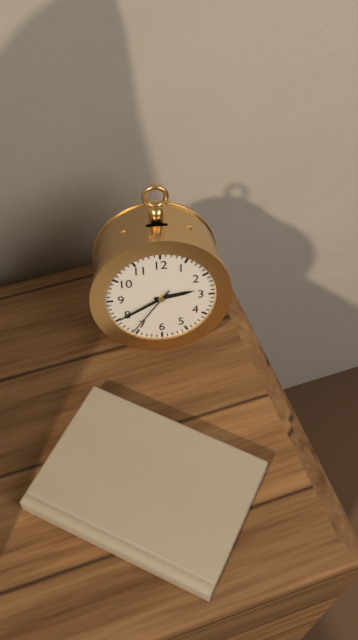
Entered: 2.40.36
